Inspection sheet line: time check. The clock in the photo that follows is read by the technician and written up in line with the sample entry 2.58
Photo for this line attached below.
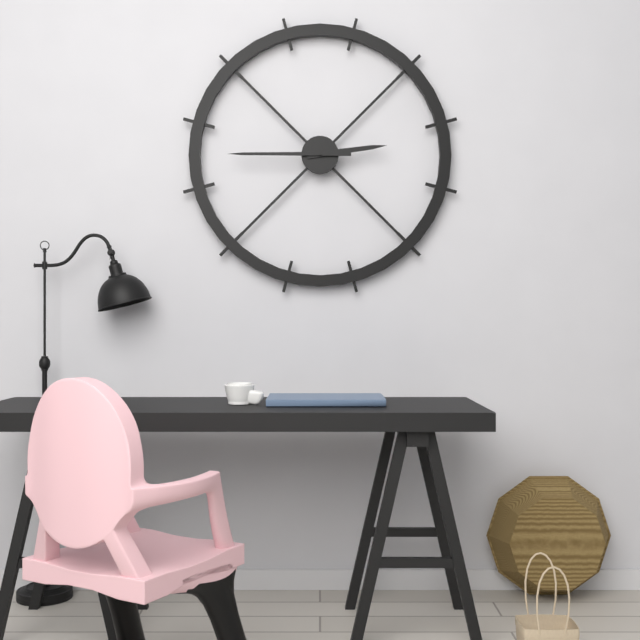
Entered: 2.45
